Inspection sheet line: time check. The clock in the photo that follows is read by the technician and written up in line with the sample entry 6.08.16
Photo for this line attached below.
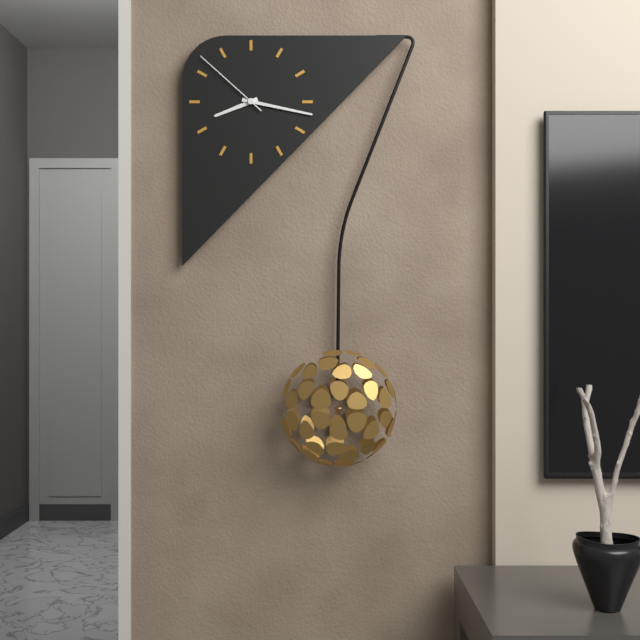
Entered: 8.17.52
